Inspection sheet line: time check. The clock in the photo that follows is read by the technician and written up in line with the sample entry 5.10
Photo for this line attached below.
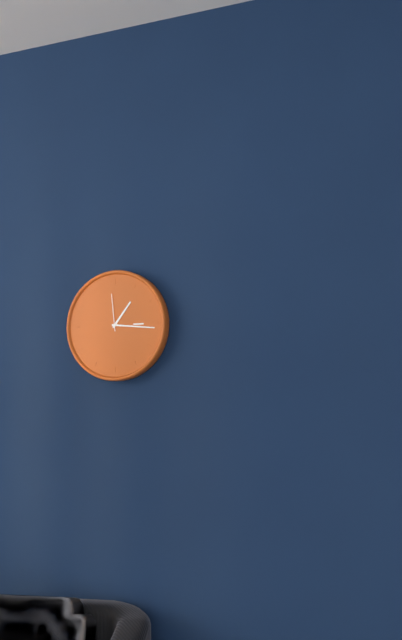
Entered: 1.16
